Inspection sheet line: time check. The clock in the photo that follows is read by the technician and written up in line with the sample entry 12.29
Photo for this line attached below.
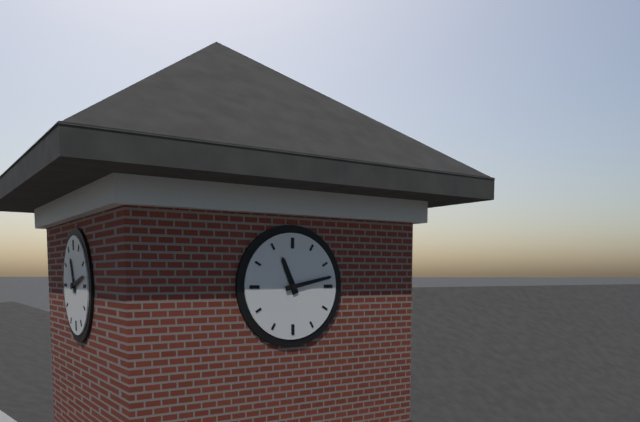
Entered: 11.13
